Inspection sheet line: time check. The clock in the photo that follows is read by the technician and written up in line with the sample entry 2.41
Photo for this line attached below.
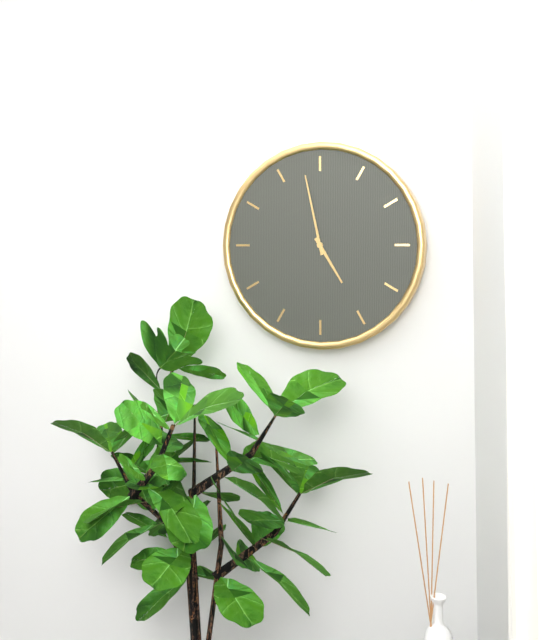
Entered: 4.58
